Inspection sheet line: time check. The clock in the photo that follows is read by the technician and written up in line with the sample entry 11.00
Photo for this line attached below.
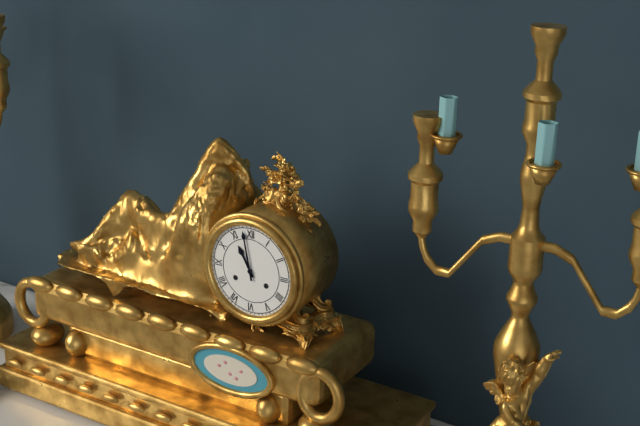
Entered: 10.58
